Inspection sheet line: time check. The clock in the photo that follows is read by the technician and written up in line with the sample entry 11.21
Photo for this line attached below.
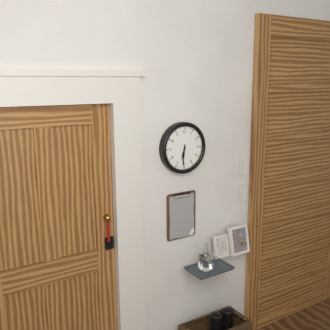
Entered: 6.31
